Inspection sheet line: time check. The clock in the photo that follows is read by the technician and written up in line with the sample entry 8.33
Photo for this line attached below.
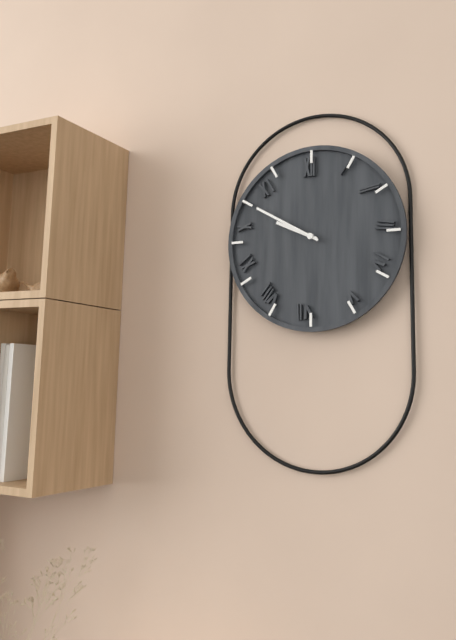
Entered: 9.50
